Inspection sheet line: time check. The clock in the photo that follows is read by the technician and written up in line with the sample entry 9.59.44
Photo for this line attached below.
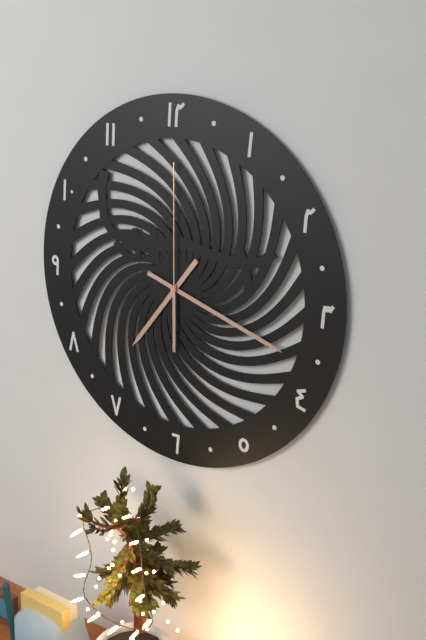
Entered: 7.18.00
